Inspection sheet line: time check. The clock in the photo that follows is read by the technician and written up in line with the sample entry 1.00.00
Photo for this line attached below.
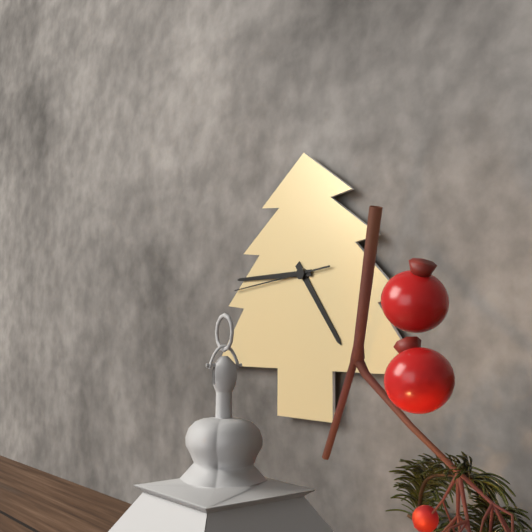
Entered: 4.45.44
